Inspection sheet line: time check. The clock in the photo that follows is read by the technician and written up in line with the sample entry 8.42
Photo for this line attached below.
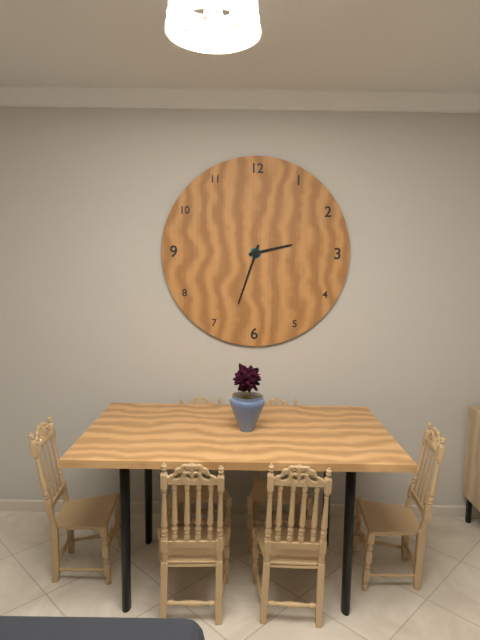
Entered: 2.33
